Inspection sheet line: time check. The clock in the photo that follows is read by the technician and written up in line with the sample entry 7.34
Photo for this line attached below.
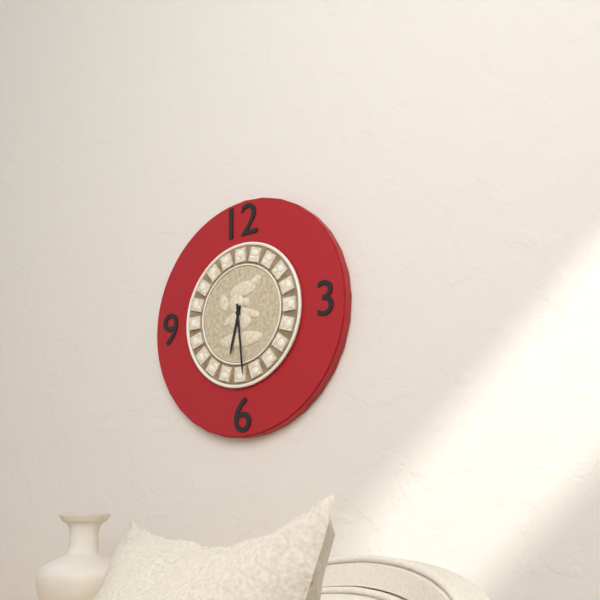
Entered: 6.29
